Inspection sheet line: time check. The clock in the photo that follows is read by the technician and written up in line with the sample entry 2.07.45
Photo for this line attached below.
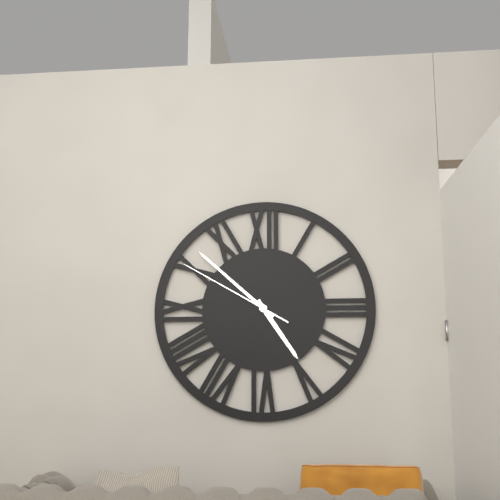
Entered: 4.52.50
